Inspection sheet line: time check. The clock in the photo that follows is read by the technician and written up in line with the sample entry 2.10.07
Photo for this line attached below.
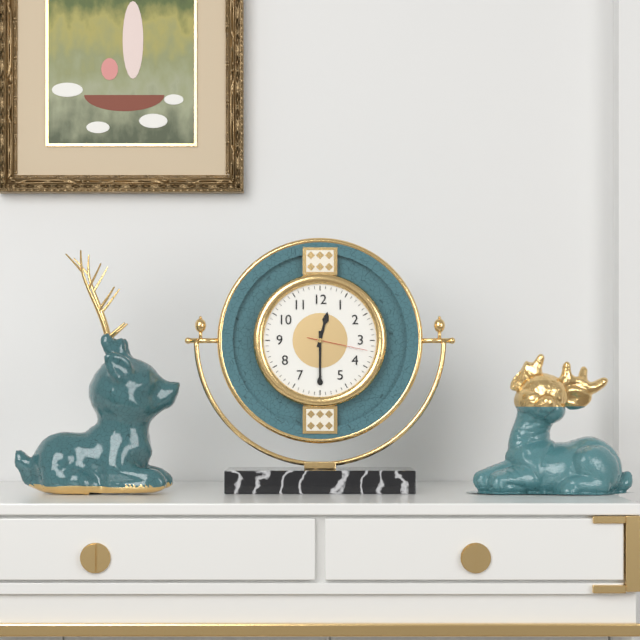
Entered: 12.30.17
